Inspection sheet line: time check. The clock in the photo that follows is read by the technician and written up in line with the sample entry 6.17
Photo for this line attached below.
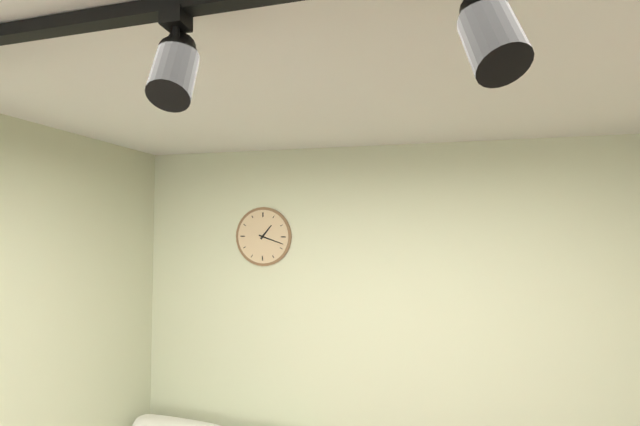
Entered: 1.18
